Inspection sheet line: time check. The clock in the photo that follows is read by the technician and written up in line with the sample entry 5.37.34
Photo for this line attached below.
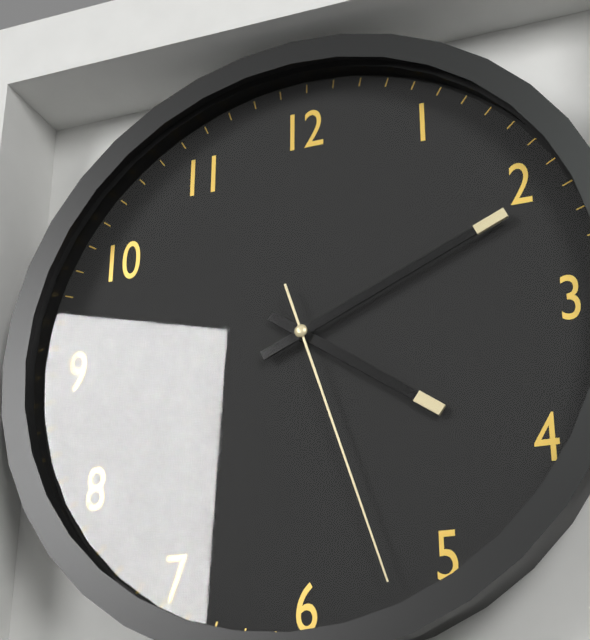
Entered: 4.11.27
